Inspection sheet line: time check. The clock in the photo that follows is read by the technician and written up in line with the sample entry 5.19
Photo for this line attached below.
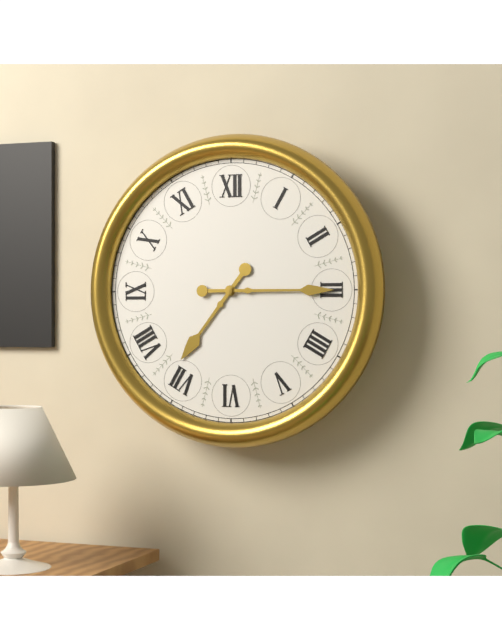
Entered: 7.15
